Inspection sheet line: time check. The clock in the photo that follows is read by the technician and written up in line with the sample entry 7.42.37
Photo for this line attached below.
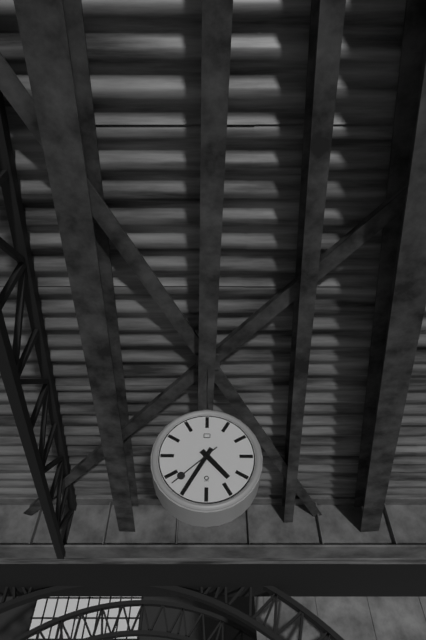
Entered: 4.35.38
